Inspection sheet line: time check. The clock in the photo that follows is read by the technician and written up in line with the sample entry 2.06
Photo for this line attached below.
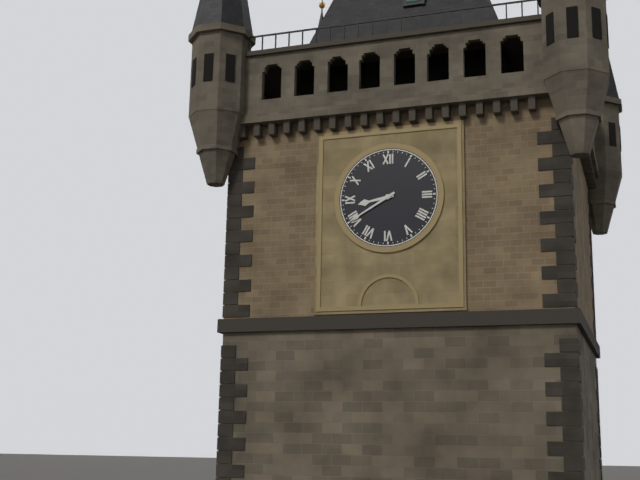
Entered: 8.40
